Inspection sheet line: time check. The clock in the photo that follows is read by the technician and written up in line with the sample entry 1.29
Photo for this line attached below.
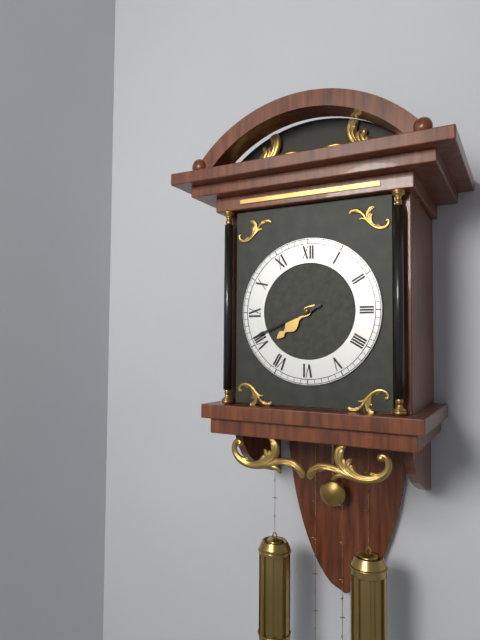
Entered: 7.41
